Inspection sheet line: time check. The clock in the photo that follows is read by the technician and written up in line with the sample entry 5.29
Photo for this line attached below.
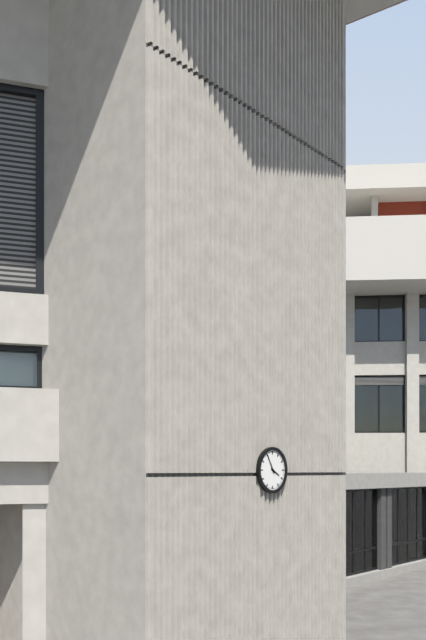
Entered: 3.55
